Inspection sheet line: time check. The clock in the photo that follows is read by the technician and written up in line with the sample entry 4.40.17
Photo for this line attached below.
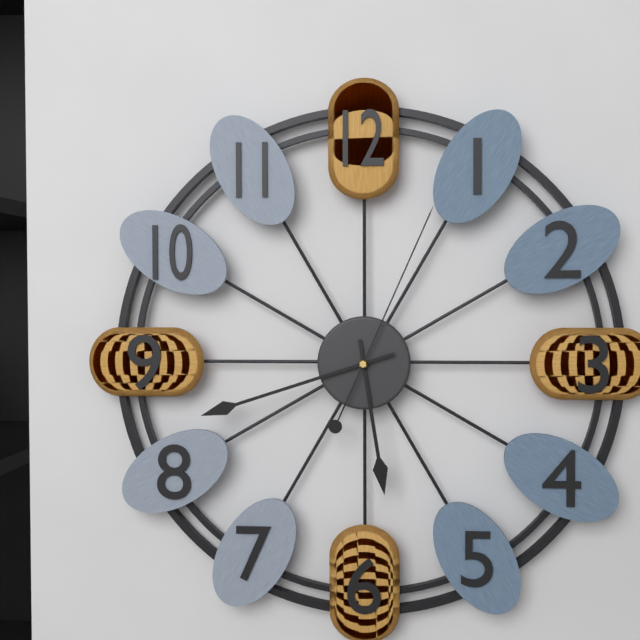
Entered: 5.42.04
